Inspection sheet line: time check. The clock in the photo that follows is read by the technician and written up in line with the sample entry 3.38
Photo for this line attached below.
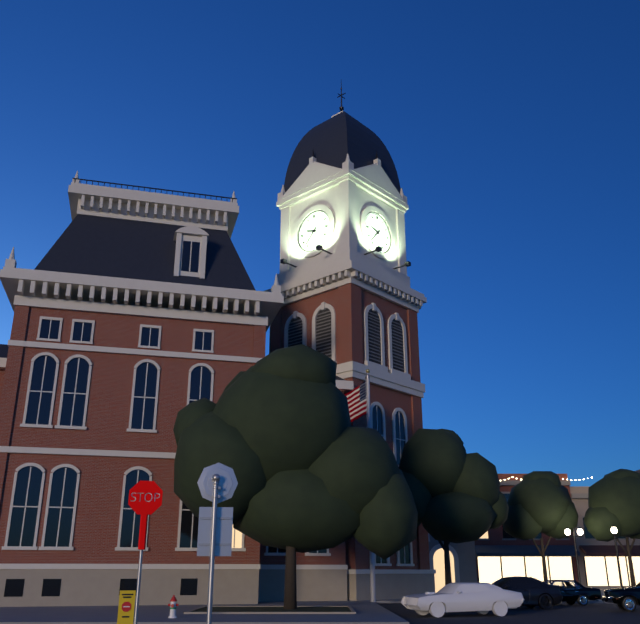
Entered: 9.37
